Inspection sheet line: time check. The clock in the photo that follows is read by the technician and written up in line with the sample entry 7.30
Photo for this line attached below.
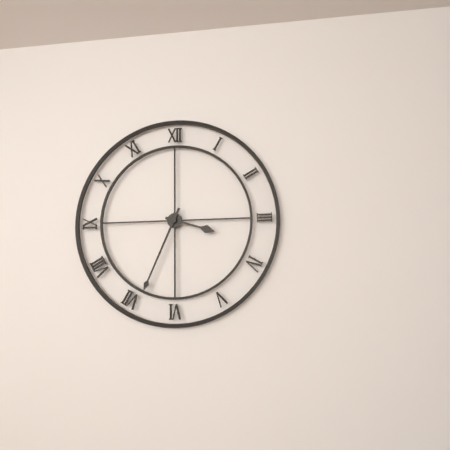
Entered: 3.34
